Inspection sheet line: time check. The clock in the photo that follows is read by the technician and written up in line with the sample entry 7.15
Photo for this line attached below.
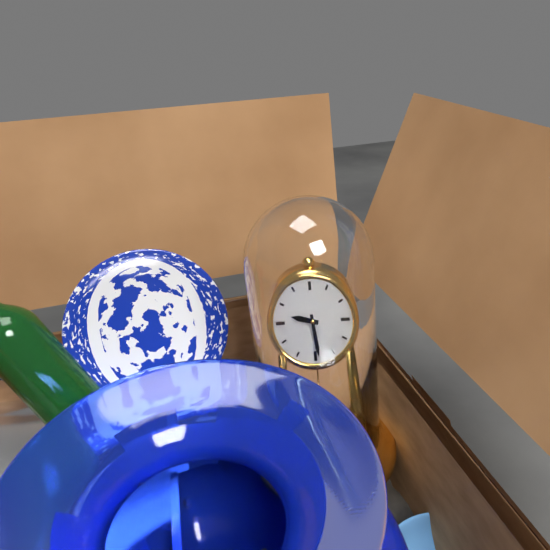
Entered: 9.29
